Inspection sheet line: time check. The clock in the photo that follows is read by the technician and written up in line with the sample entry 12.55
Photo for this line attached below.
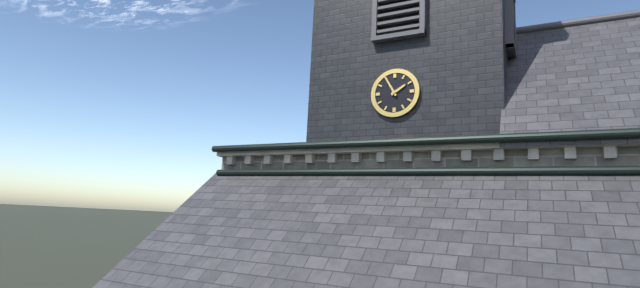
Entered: 1.55
